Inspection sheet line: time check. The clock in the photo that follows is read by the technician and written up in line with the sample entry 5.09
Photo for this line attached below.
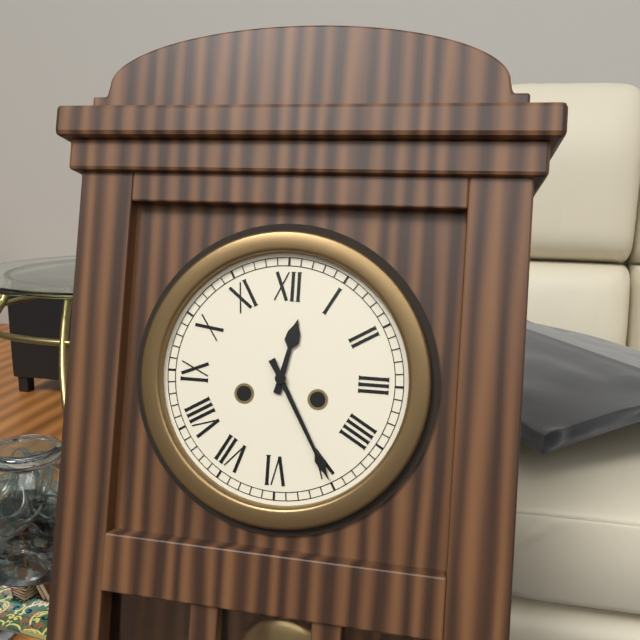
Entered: 12.25
